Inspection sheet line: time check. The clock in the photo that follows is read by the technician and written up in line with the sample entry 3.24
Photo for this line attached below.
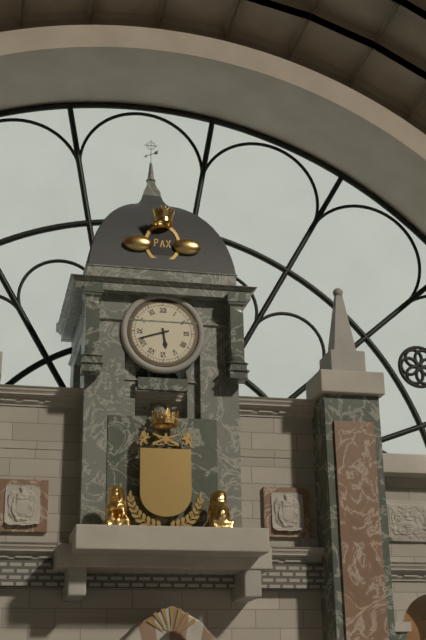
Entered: 5.42
